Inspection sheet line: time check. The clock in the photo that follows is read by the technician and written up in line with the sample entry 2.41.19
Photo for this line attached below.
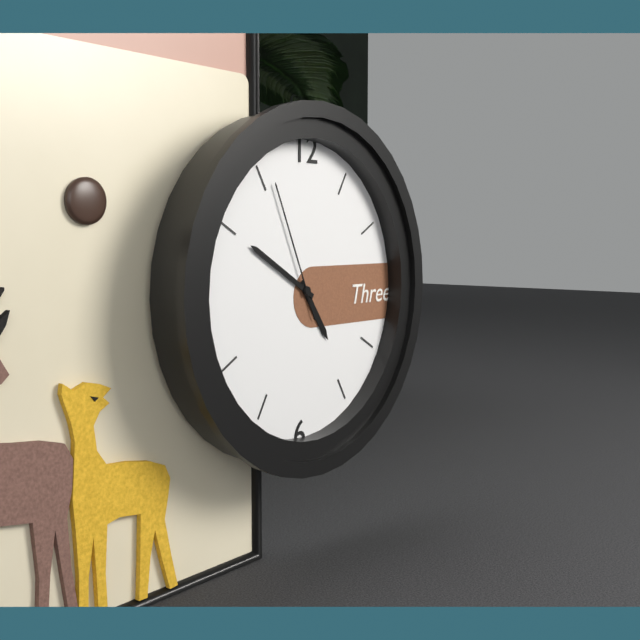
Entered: 4.50.56
